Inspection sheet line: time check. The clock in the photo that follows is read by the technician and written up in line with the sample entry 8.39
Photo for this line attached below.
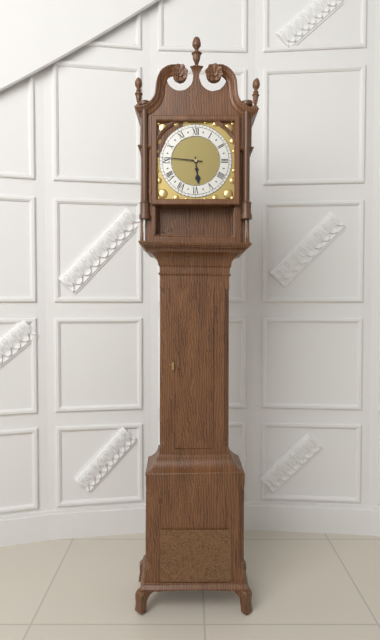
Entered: 5.46
